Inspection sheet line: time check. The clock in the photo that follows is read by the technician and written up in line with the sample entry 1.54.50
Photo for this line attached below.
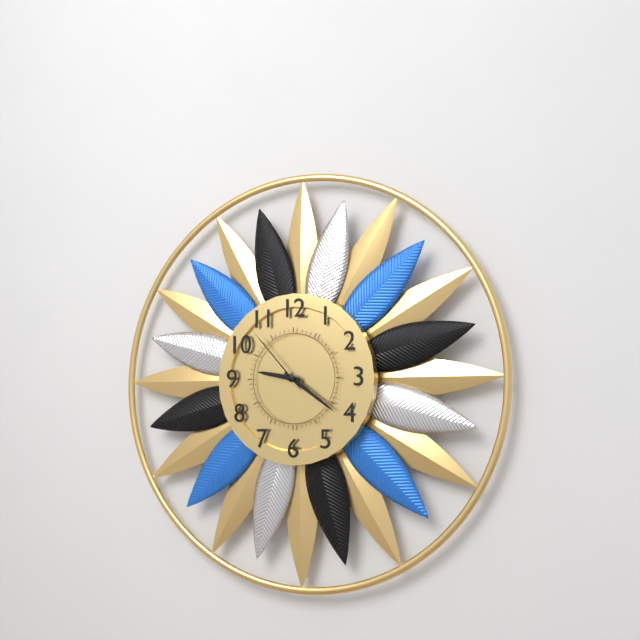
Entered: 9.21.53
